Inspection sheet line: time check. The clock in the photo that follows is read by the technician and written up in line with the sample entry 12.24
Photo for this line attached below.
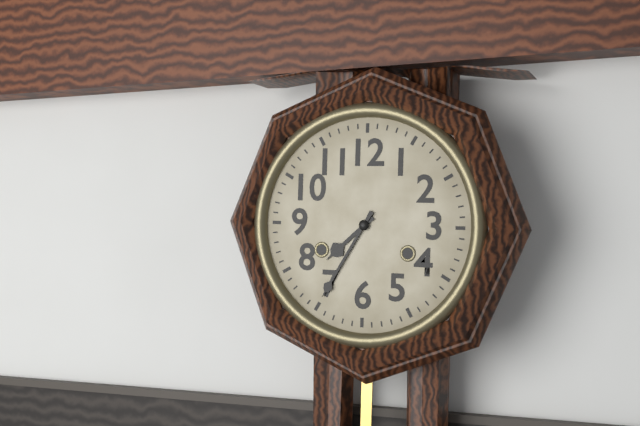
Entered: 7.35
